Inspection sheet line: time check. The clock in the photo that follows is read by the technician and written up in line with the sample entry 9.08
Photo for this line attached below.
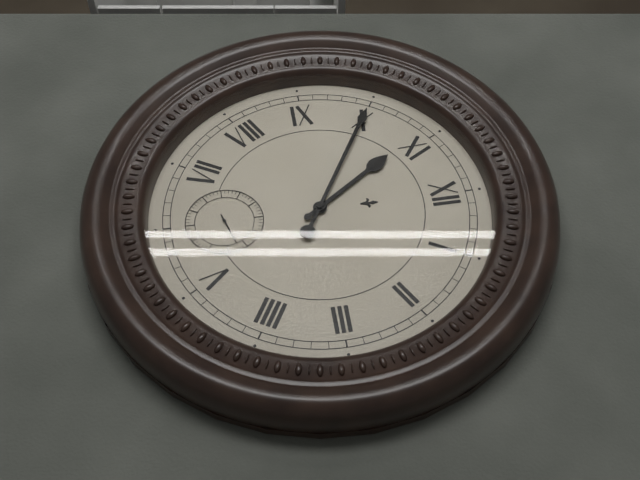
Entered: 10.50
